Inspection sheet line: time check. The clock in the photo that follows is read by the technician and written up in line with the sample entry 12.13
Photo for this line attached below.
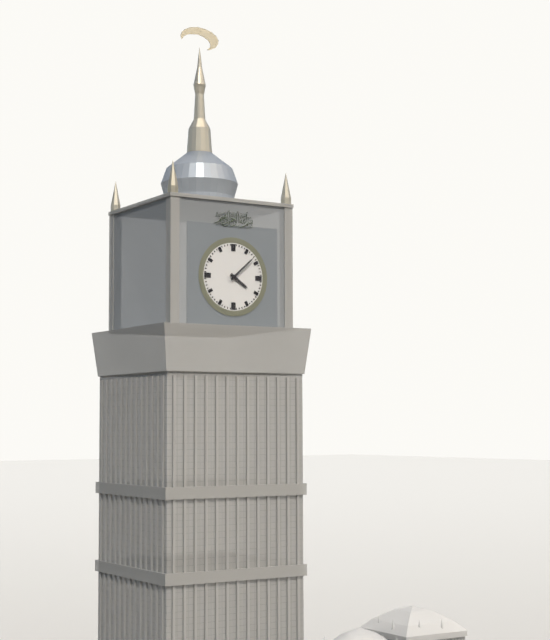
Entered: 4.08
